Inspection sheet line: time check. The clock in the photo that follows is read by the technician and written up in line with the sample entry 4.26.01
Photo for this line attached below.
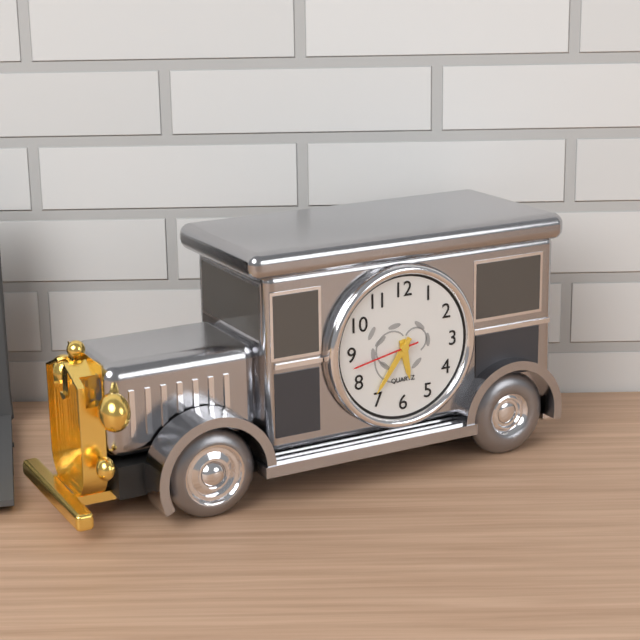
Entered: 5.36.43
